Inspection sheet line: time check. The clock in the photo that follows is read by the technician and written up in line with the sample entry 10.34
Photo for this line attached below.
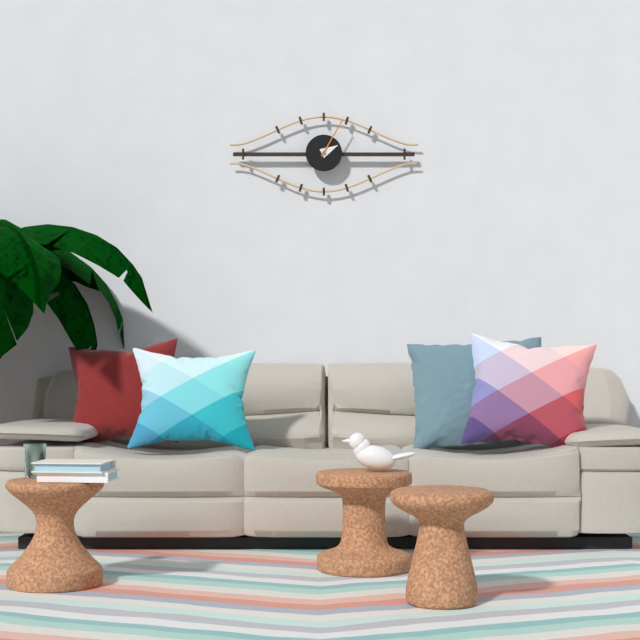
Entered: 2.05
